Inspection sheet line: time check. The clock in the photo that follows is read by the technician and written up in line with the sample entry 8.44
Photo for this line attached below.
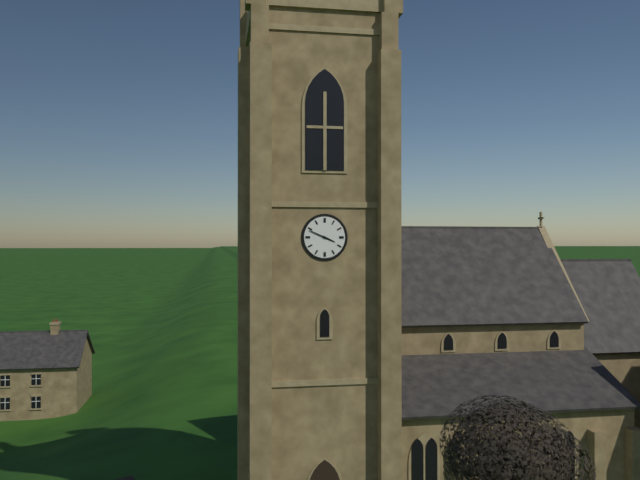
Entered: 3.49
